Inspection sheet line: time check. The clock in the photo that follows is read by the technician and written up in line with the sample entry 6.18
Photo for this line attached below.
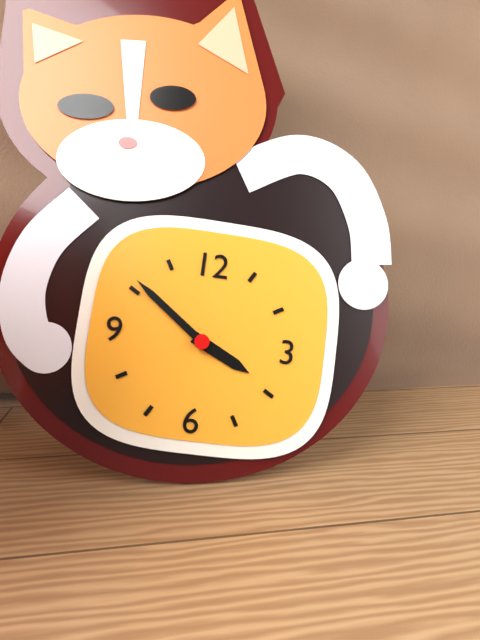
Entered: 3.51
